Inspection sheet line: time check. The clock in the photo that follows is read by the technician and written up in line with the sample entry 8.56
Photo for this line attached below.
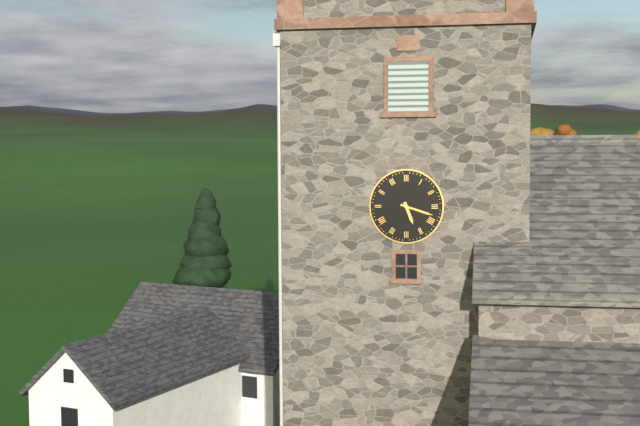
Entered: 5.18
